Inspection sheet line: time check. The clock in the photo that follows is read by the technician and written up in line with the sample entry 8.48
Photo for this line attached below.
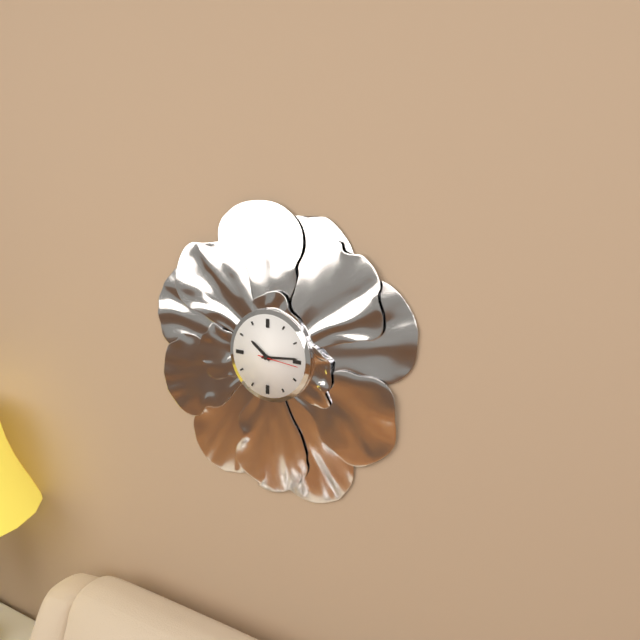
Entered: 10.14
